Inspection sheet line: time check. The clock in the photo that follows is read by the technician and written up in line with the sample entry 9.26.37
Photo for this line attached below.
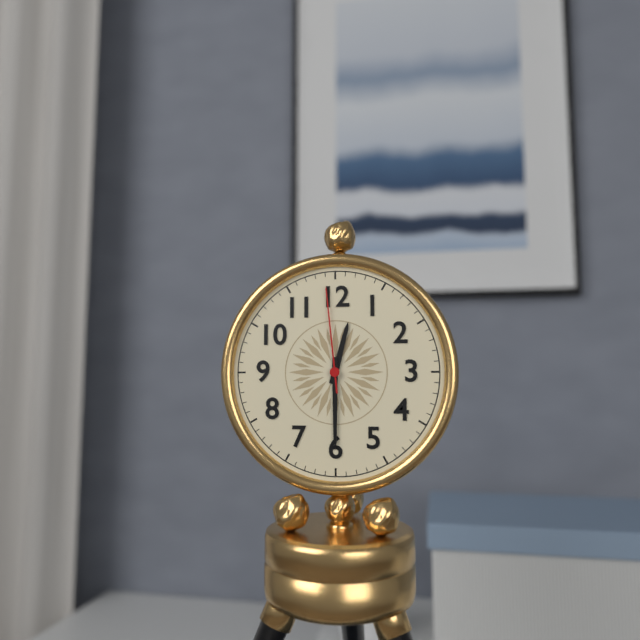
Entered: 12.30.59
